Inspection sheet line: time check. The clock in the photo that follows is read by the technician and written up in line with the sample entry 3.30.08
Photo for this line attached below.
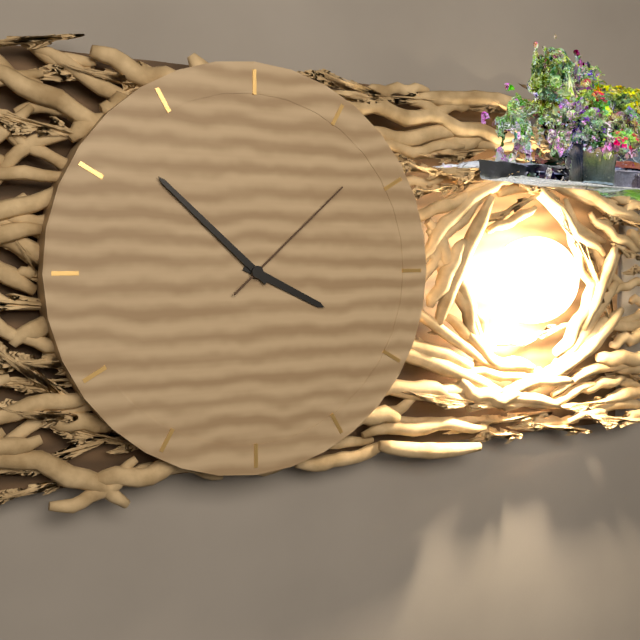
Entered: 3.52.08
